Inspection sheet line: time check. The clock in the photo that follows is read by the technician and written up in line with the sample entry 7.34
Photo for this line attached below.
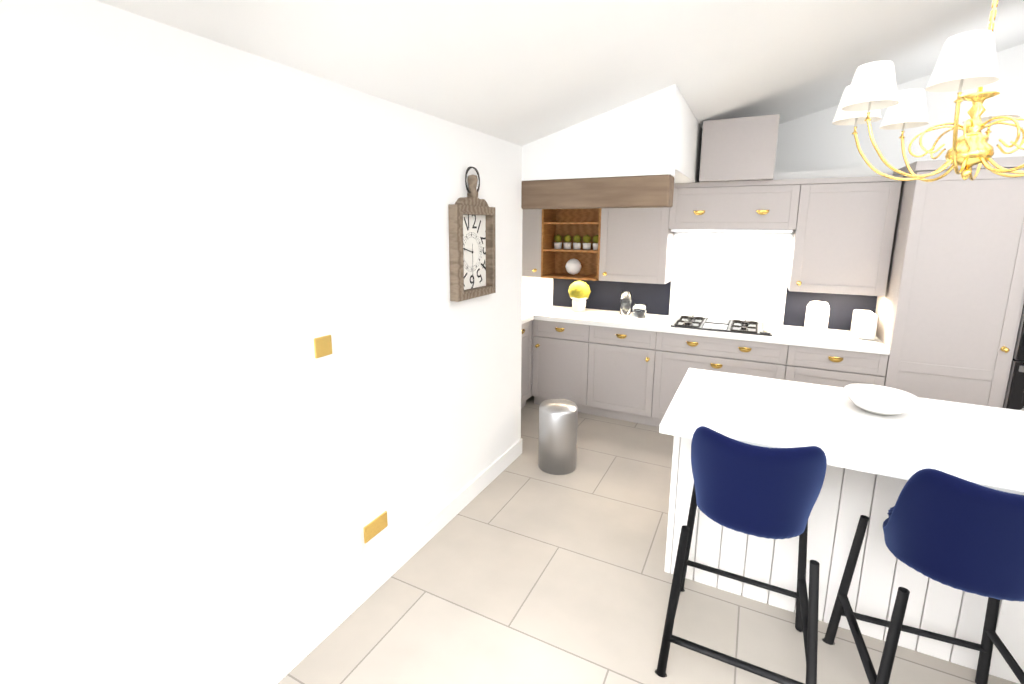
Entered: 9.30
